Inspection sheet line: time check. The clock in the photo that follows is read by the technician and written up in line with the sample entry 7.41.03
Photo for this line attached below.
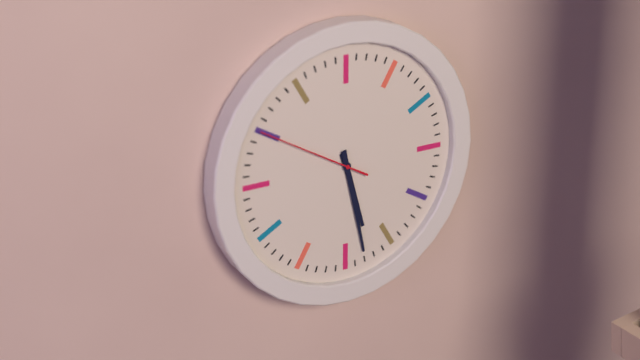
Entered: 5.28.50
